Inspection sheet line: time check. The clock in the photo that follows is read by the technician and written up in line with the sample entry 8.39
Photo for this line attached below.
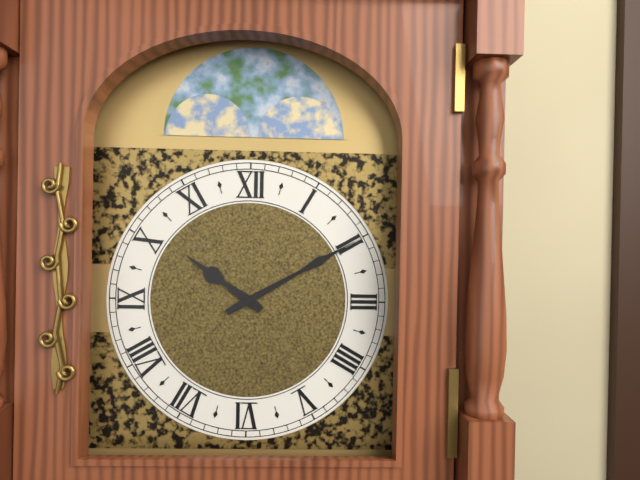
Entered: 10.10
